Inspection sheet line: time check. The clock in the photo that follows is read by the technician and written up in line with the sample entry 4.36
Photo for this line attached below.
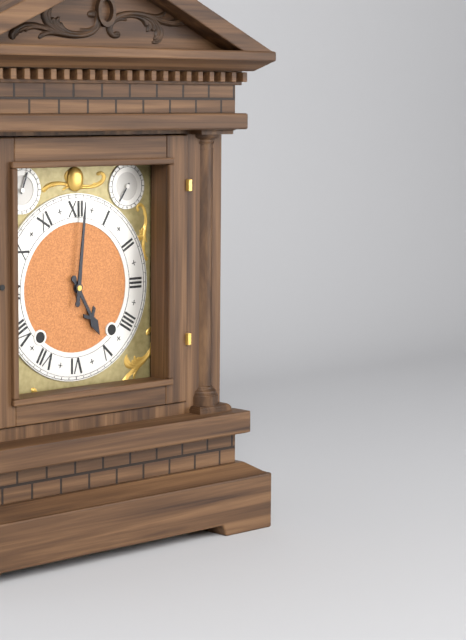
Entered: 5.01
